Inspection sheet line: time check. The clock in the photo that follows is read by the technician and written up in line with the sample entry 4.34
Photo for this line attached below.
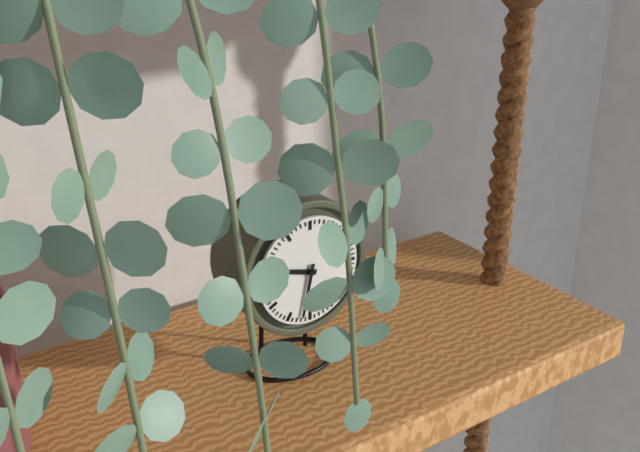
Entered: 9.32
